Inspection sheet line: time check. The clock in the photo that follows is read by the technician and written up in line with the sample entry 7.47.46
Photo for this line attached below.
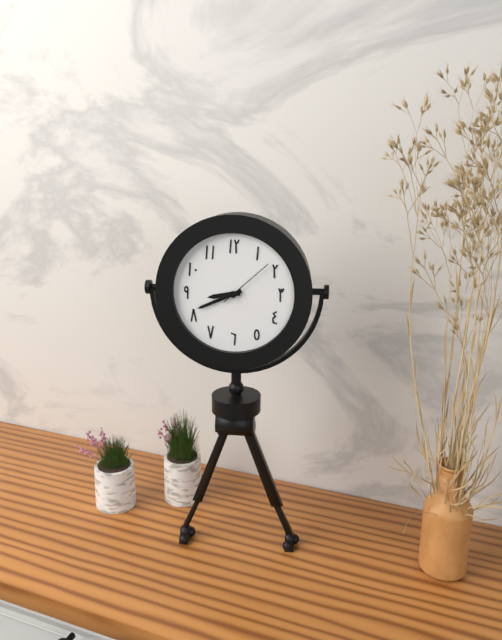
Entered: 8.41.08
